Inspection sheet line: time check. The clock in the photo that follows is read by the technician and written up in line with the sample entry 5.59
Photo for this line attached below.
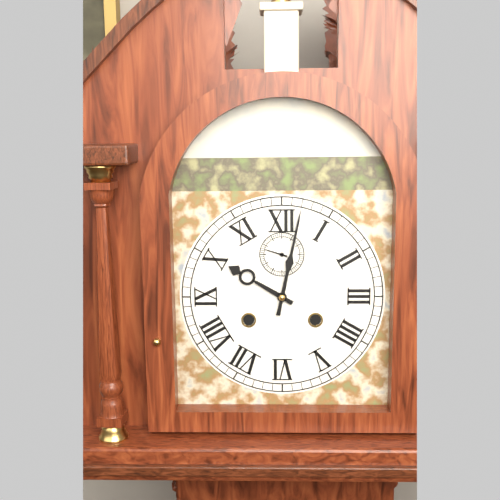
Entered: 10.02
